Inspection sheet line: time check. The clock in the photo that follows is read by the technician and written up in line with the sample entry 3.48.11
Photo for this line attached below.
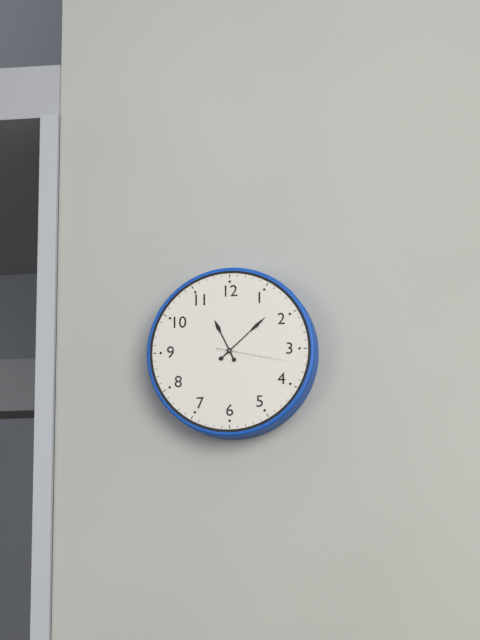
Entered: 11.08.17
